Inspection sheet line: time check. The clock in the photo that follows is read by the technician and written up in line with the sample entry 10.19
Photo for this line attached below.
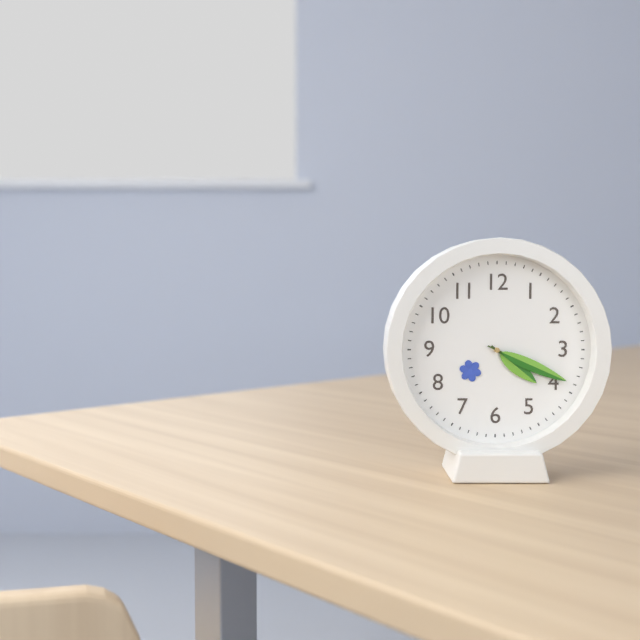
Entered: 4.19
